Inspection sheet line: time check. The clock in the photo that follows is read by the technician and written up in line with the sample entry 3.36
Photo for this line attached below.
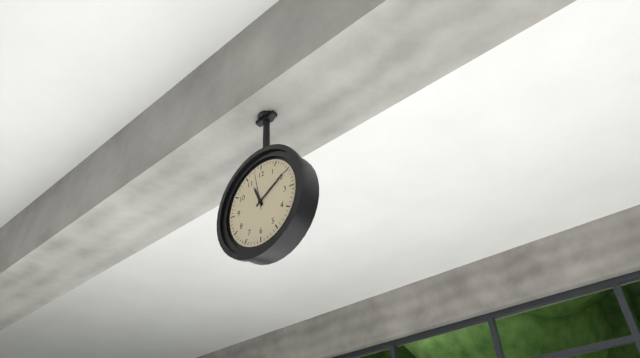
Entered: 11.10
